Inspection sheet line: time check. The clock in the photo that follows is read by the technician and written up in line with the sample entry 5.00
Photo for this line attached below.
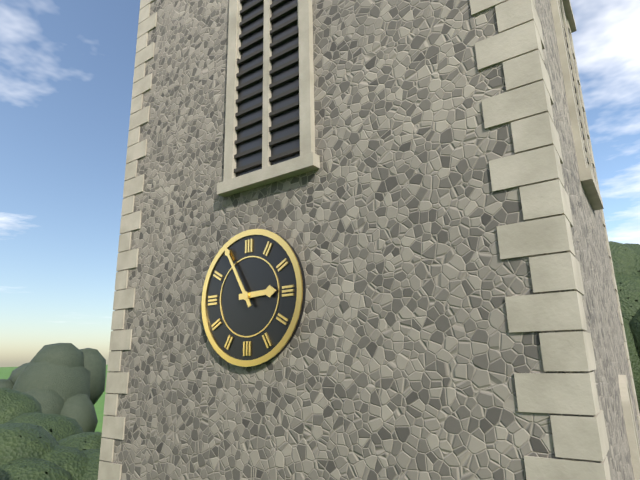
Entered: 2.55
